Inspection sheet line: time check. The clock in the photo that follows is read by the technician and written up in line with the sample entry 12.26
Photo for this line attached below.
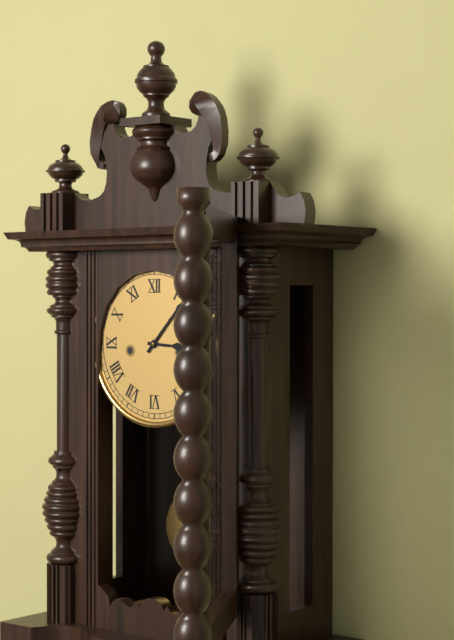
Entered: 3.07
